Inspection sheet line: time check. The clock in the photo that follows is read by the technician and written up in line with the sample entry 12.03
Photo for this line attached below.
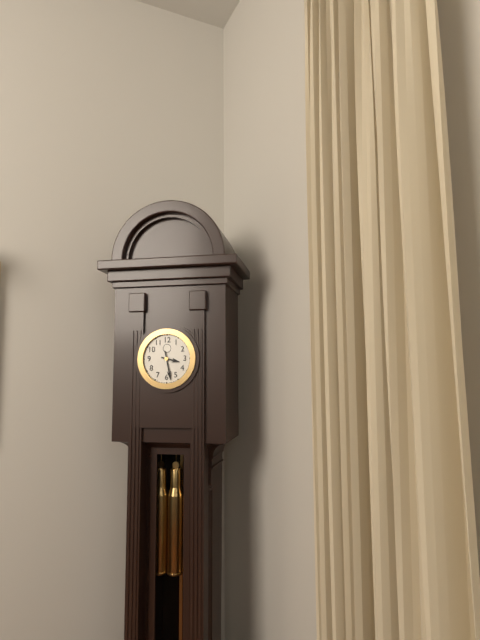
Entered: 3.28
